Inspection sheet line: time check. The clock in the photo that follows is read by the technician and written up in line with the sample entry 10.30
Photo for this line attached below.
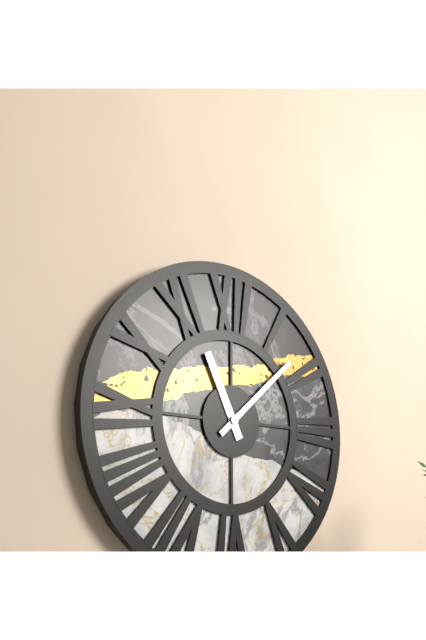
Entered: 11.08
